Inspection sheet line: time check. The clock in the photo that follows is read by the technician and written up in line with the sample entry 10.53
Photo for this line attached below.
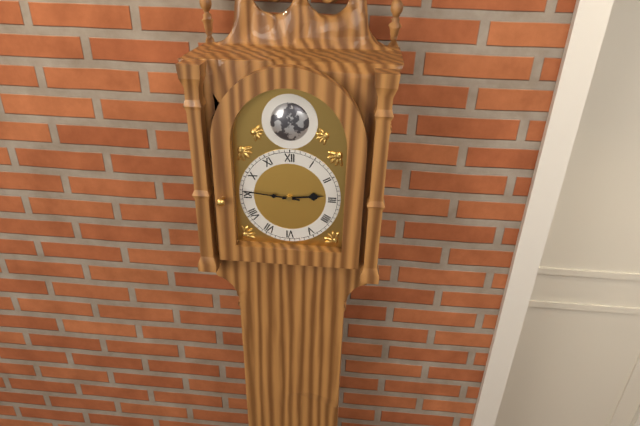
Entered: 2.46
